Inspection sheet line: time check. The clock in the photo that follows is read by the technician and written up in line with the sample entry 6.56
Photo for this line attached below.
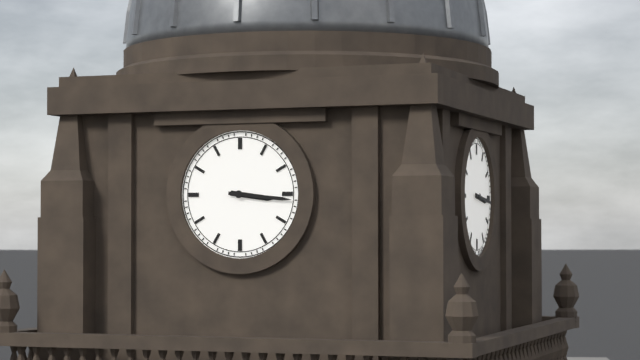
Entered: 3.16
